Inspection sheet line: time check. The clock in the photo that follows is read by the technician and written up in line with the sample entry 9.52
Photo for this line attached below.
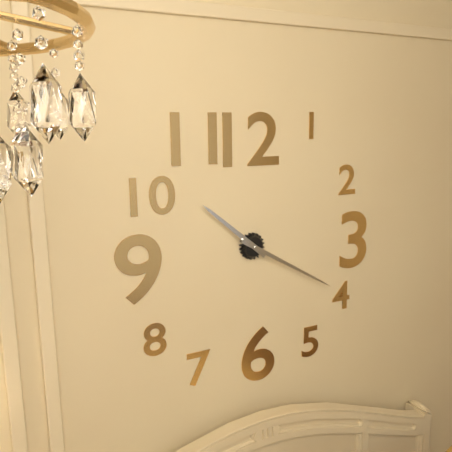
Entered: 10.20
